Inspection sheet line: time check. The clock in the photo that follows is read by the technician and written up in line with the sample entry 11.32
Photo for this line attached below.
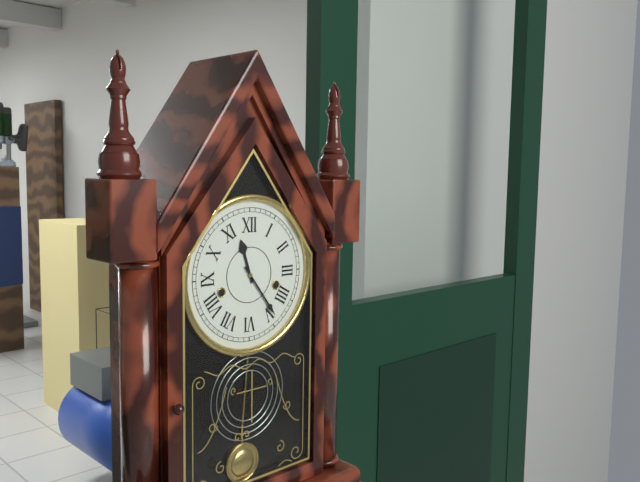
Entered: 11.24
